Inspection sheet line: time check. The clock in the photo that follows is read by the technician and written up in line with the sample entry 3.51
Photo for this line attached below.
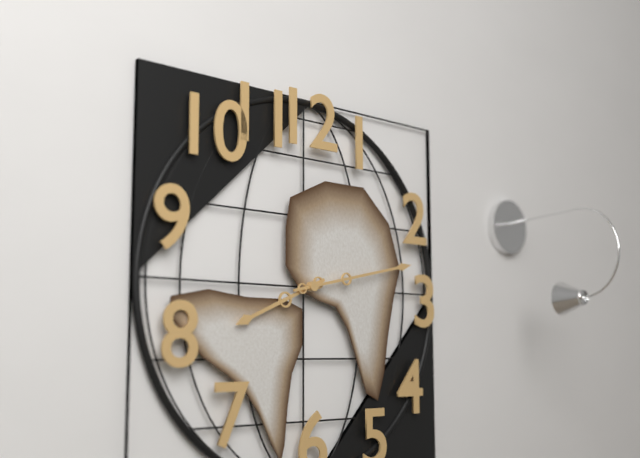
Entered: 8.13
